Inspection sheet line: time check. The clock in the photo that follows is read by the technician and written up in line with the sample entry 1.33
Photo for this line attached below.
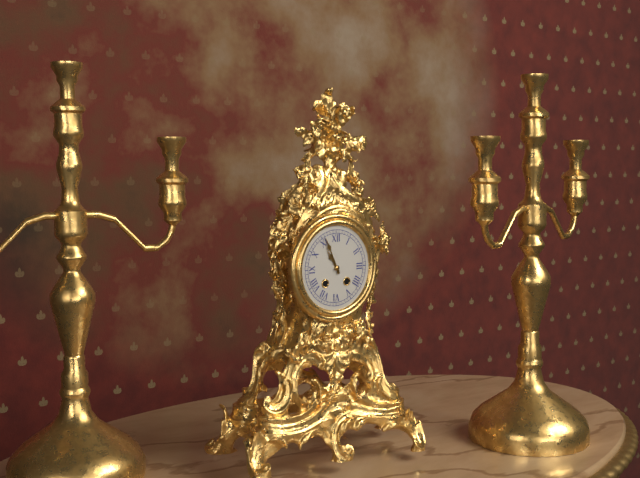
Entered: 10.56
